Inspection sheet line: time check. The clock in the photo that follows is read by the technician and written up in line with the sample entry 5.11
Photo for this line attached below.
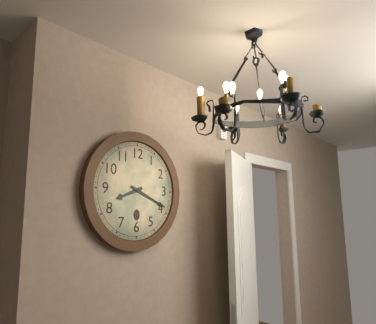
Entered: 8.19
